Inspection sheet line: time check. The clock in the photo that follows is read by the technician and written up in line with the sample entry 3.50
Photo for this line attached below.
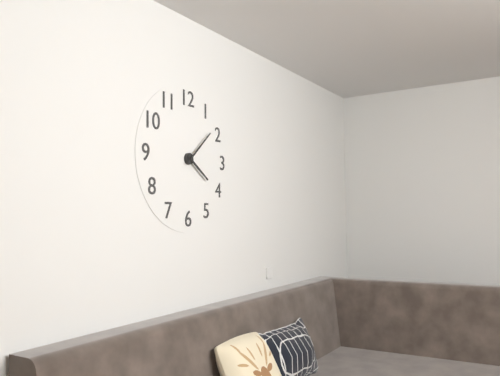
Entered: 4.08
